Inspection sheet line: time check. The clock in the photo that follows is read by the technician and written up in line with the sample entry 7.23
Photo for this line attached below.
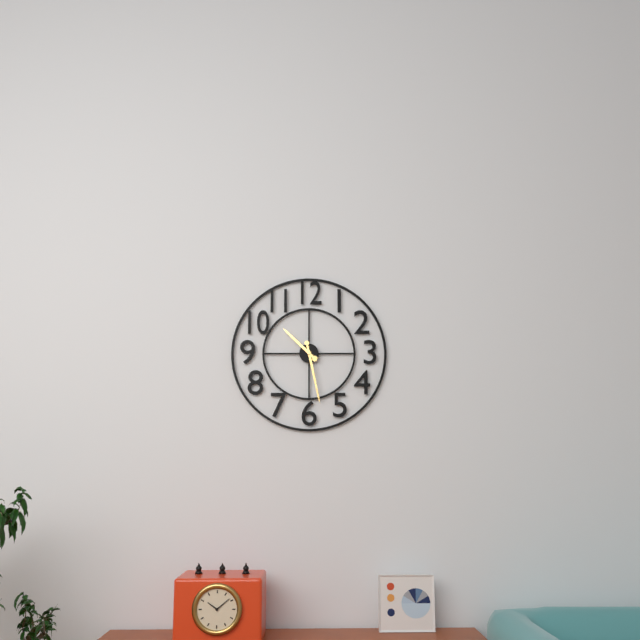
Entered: 10.28
